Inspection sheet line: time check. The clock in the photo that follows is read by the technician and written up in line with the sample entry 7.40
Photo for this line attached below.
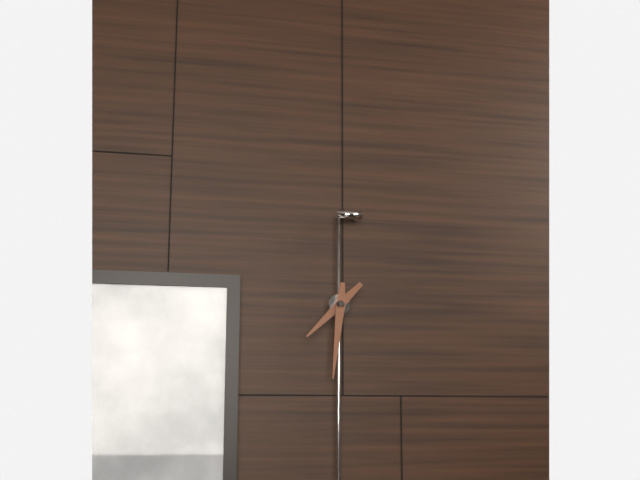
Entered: 7.31
